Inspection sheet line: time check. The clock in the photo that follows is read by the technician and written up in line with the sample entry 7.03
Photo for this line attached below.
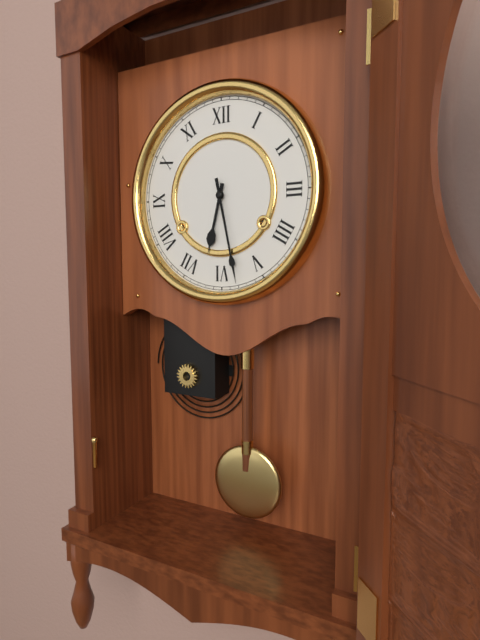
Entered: 6.28
